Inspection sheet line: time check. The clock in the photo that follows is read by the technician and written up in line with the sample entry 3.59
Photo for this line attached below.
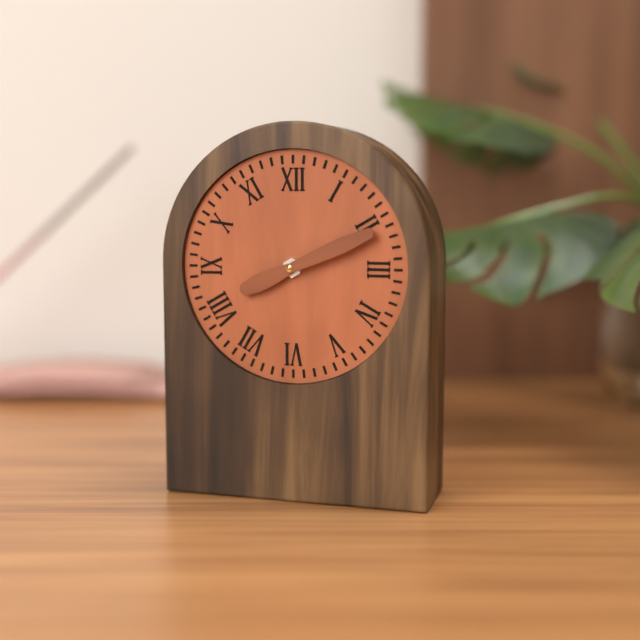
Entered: 8.11
